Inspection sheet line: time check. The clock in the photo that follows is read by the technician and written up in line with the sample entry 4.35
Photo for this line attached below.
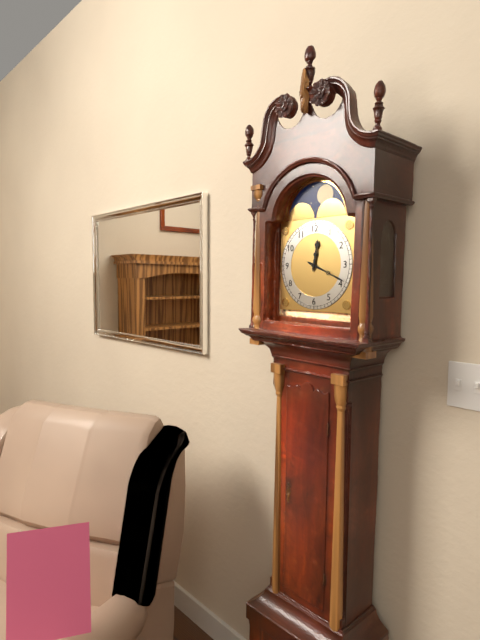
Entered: 12.19
